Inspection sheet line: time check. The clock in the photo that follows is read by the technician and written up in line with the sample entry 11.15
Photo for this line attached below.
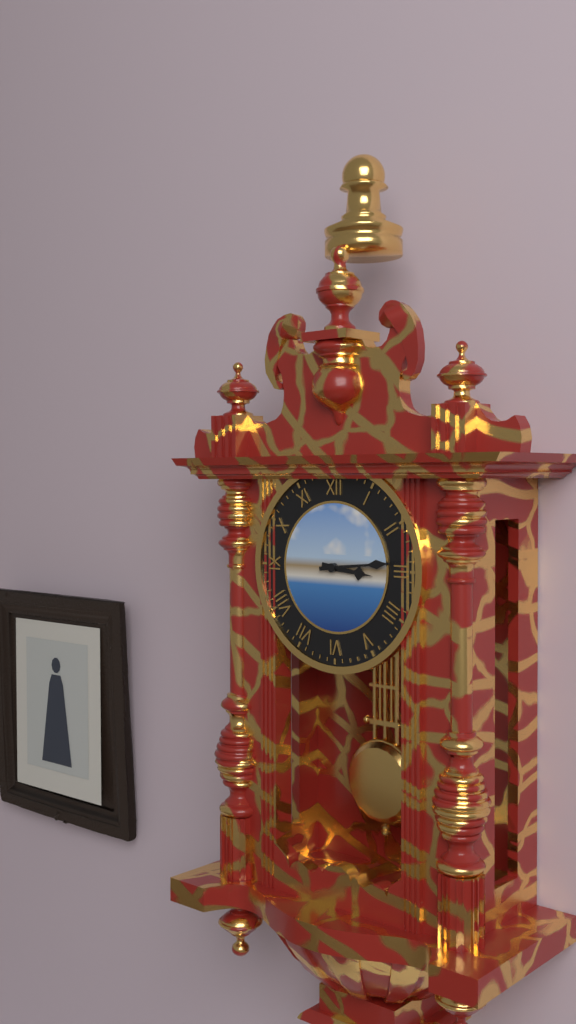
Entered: 3.14
